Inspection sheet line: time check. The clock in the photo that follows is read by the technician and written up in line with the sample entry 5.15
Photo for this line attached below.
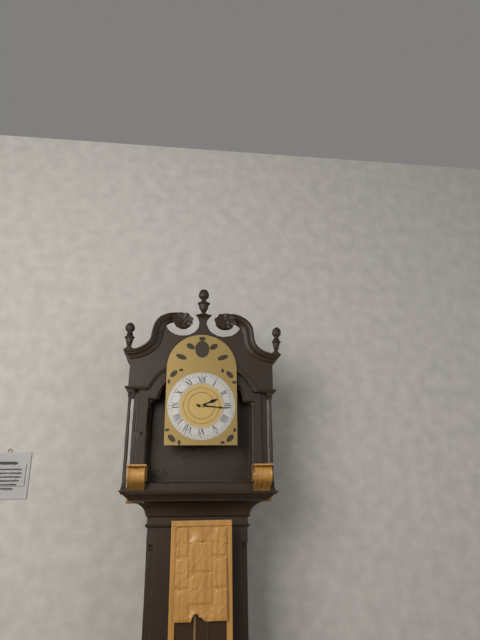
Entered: 2.16
